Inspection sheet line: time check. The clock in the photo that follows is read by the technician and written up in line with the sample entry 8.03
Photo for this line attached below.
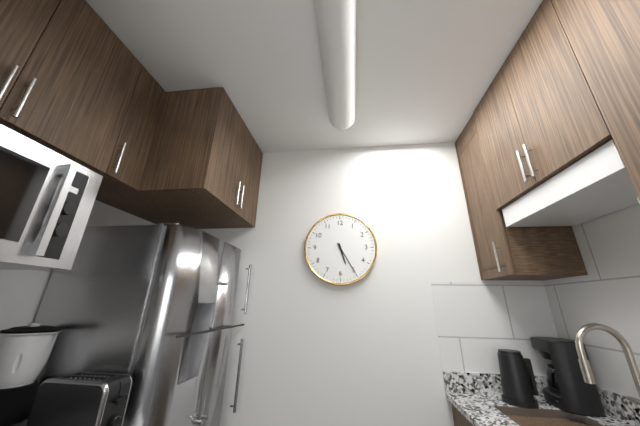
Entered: 5.25
